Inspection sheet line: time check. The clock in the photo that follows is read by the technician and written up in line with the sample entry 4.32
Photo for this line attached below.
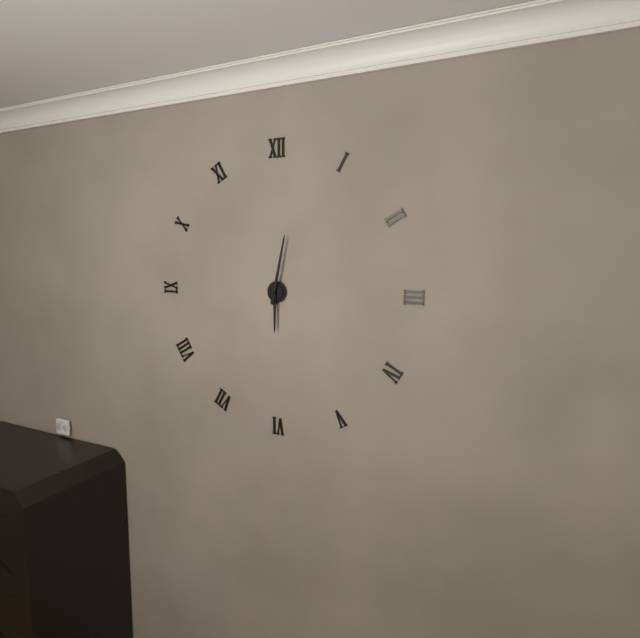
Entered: 6.02
